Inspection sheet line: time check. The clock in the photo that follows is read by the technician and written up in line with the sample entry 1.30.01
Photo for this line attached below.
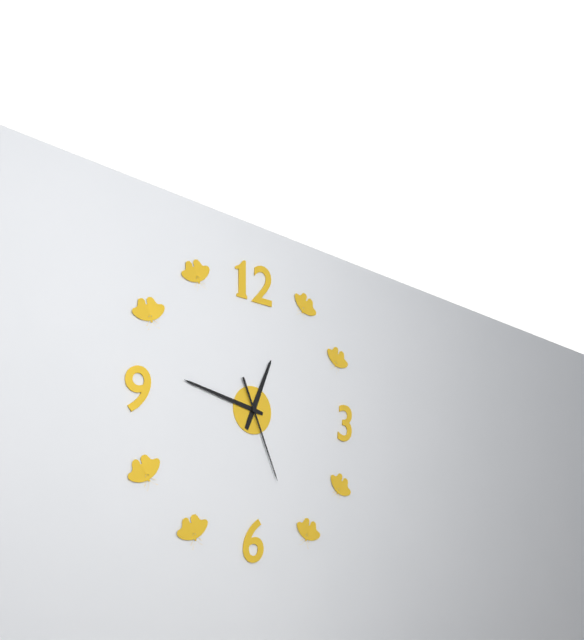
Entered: 12.47.26
